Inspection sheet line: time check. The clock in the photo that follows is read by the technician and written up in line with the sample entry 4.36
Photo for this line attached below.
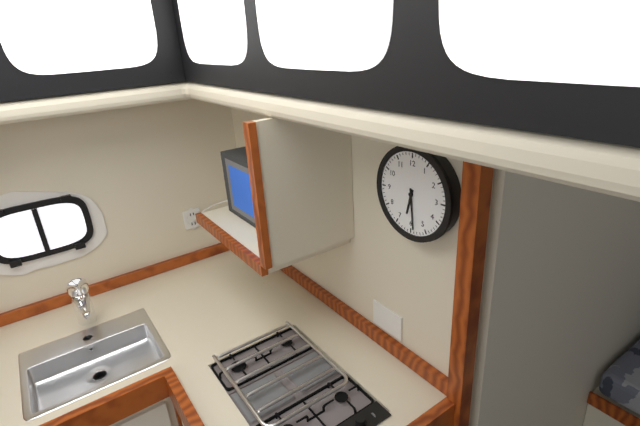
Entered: 6.29
